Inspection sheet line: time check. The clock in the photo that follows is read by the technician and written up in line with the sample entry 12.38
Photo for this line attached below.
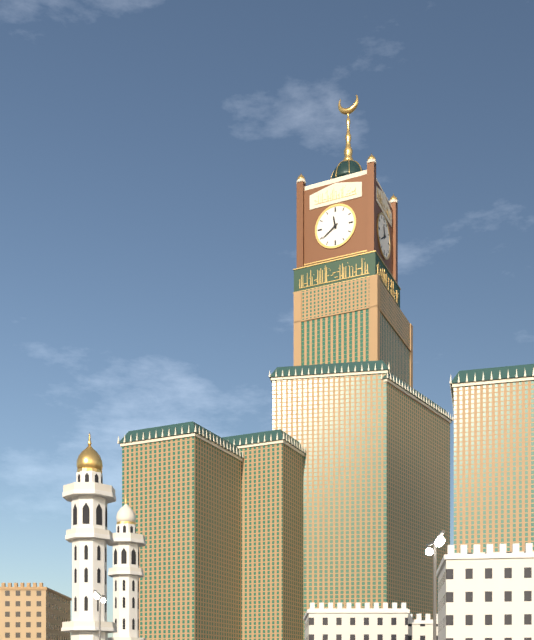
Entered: 11.39
